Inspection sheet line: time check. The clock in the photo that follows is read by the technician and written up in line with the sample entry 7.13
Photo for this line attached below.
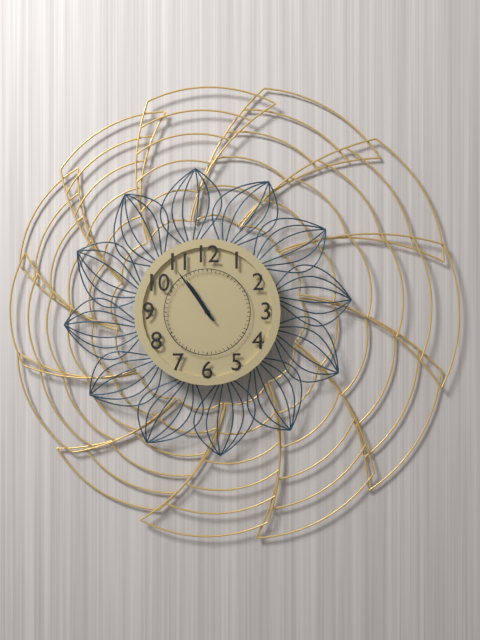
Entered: 10.54
